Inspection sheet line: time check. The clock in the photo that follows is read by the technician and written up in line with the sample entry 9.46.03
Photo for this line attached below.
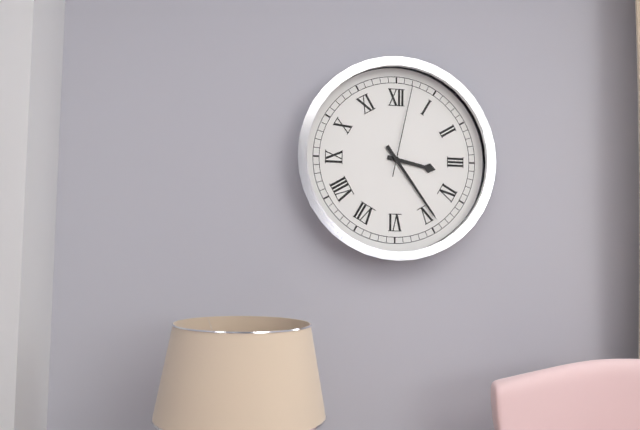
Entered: 3.24.02
